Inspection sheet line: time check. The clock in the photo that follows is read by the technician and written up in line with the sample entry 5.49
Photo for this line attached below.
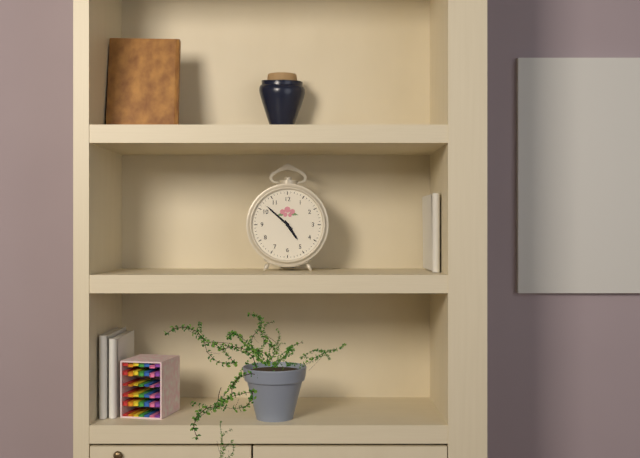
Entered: 4.52
